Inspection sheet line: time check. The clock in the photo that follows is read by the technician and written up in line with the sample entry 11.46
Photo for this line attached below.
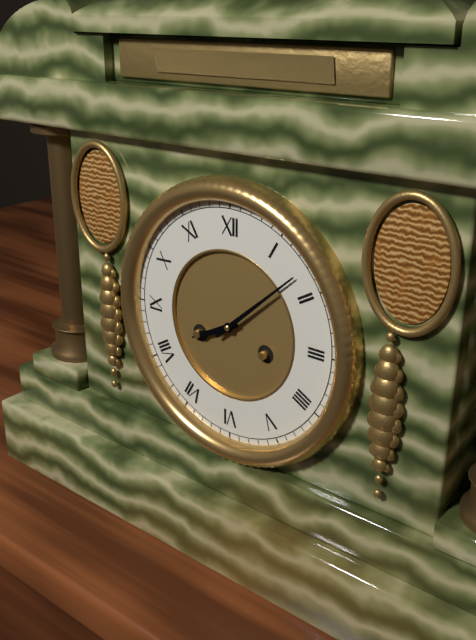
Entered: 8.08
